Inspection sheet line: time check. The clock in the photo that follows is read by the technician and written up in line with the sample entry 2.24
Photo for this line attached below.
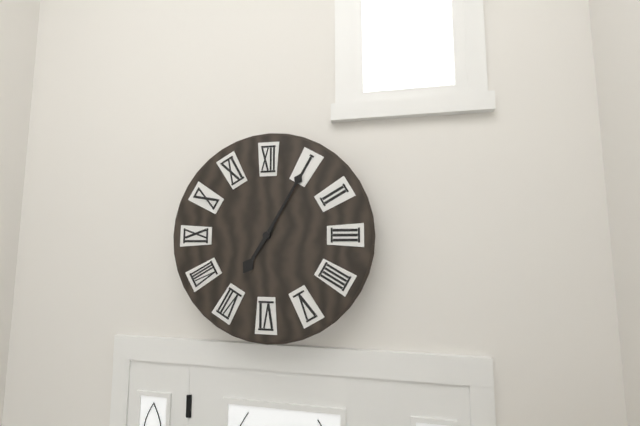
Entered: 7.05
